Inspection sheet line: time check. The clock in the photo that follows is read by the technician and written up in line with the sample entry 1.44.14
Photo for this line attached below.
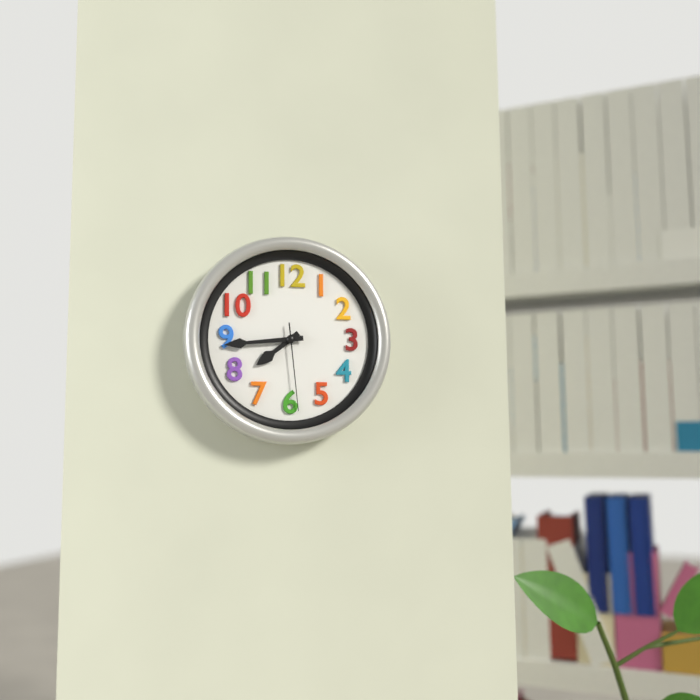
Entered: 7.44.29
